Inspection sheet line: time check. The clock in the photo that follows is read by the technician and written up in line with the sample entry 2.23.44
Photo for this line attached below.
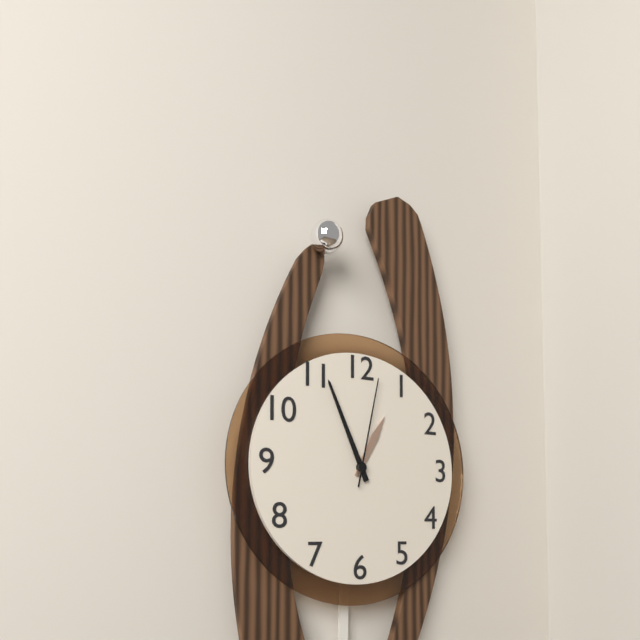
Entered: 12.56.02
